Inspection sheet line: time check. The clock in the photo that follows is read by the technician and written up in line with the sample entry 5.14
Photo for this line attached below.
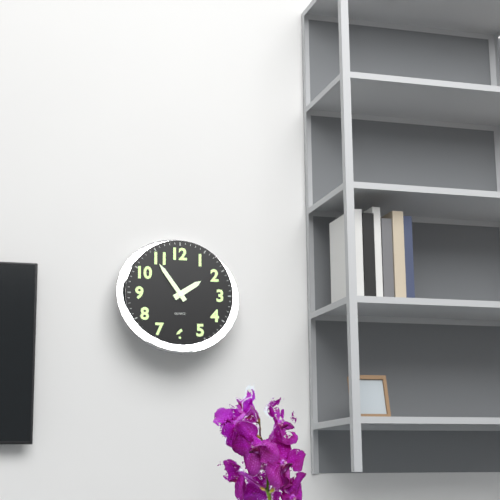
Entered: 1.54
